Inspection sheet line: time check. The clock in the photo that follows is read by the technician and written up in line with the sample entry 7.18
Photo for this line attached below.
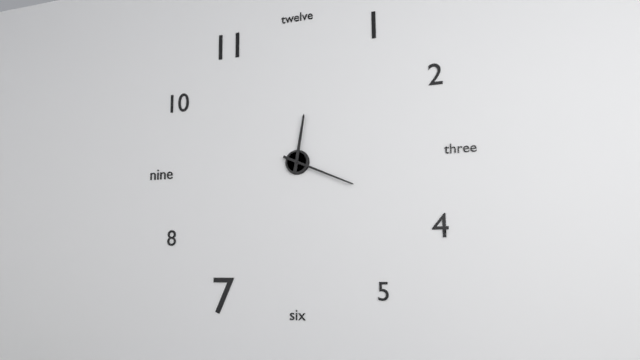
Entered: 12.19
